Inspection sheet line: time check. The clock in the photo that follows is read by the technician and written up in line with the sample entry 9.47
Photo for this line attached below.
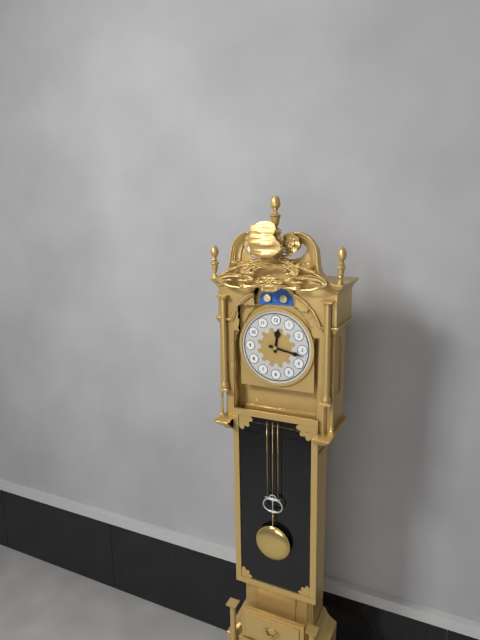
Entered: 12.17
